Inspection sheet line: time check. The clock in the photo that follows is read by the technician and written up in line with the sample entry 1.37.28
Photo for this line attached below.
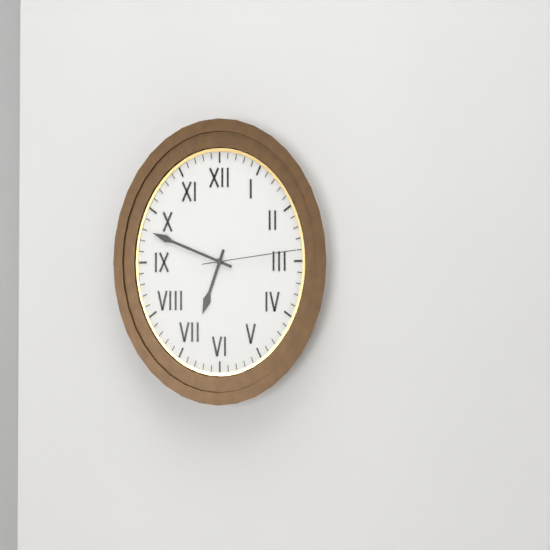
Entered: 6.48.14
